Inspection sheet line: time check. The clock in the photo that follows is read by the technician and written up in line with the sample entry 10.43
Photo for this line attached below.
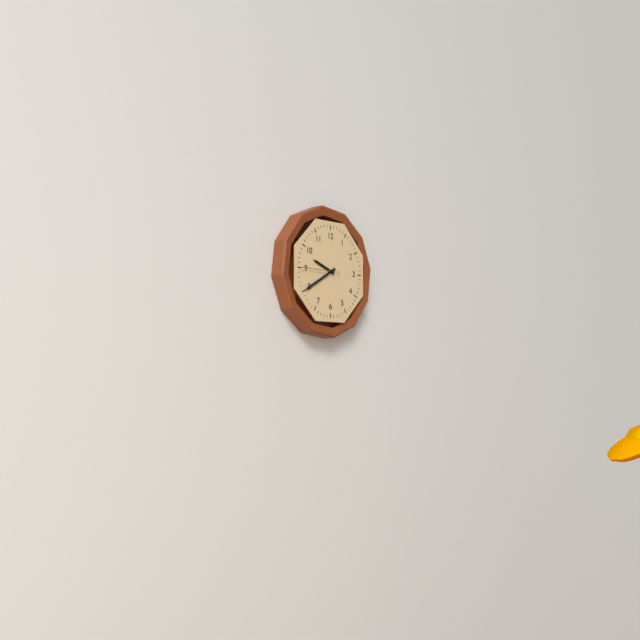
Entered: 9.40
